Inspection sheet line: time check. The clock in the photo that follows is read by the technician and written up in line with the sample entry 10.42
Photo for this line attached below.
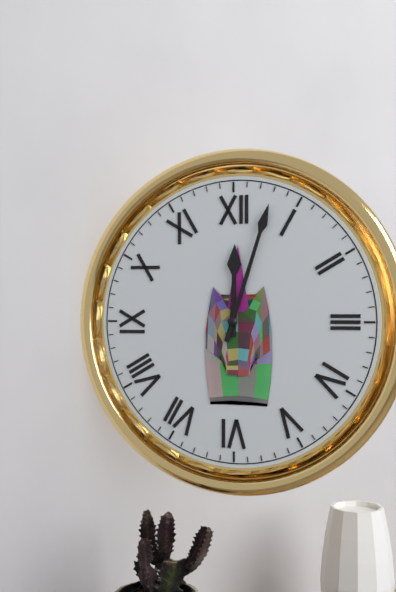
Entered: 12.03
